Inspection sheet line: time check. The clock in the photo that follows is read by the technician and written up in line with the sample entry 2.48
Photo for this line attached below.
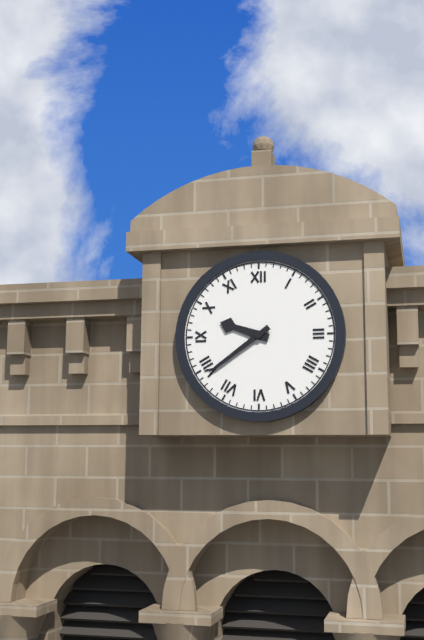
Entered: 9.39
